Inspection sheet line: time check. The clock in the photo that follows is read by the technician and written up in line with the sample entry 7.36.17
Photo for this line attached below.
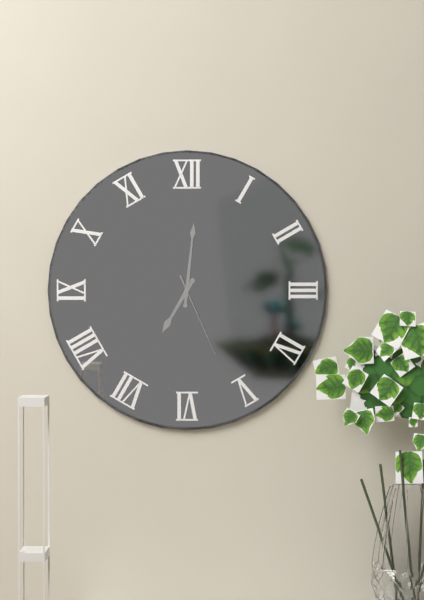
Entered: 7.01.26
